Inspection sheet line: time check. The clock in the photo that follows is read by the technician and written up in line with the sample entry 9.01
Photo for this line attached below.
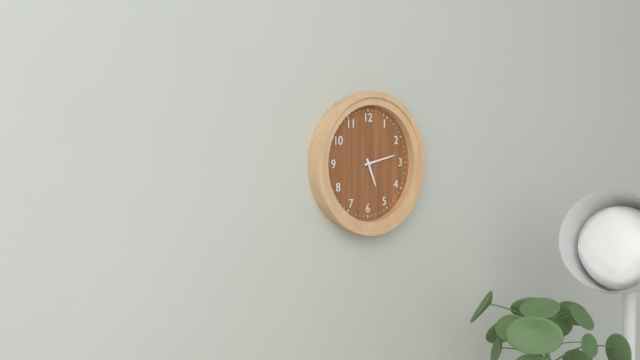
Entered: 5.13
